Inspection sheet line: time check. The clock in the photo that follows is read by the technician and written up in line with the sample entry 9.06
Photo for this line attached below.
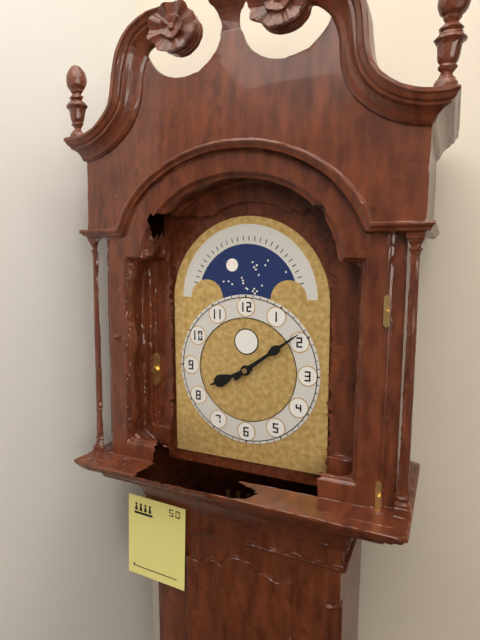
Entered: 8.09
